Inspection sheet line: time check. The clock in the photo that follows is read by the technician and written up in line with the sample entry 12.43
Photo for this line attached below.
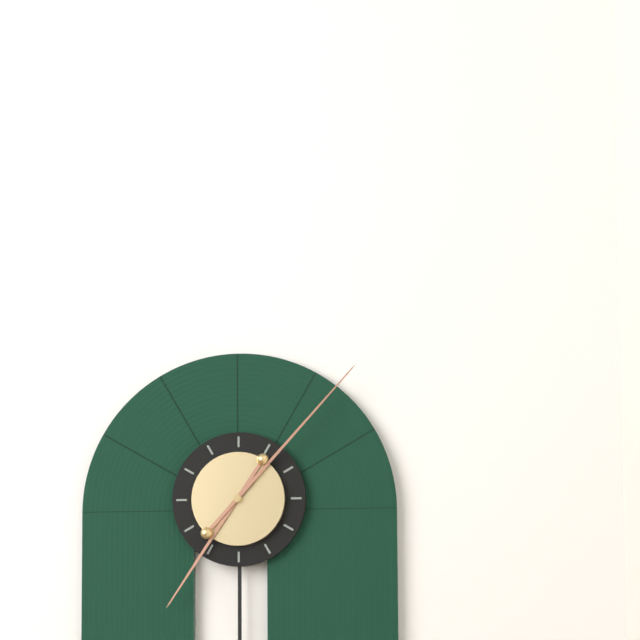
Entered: 7.07
